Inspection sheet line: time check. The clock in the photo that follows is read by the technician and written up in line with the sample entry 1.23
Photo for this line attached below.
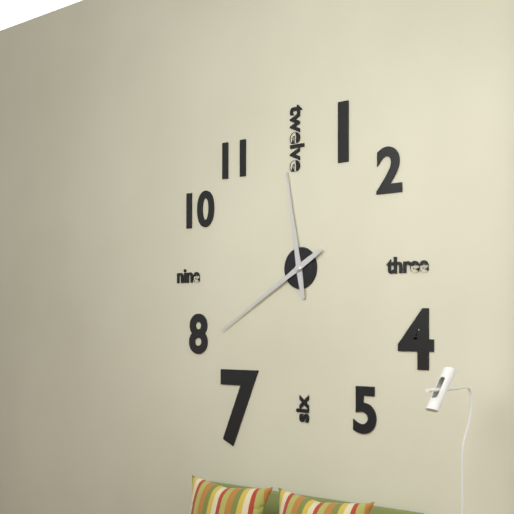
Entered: 11.40
